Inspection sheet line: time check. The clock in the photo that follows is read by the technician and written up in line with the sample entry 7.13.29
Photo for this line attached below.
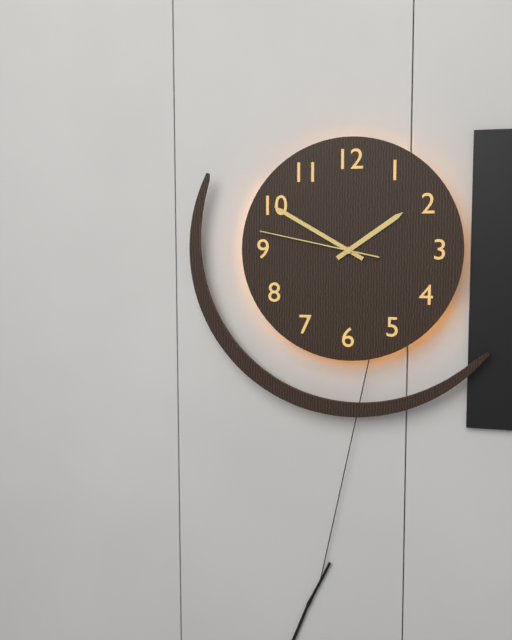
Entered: 1.50.47
